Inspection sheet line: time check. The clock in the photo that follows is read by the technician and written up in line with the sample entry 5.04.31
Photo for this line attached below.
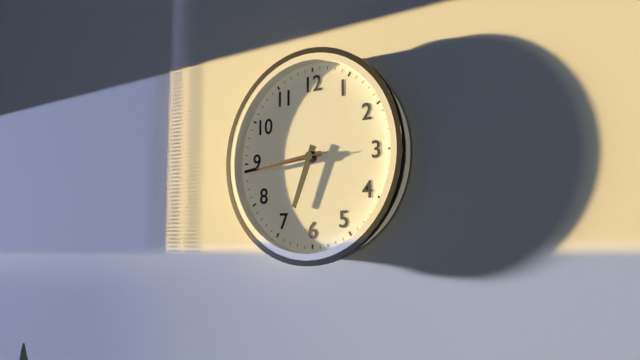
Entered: 6.44.44
